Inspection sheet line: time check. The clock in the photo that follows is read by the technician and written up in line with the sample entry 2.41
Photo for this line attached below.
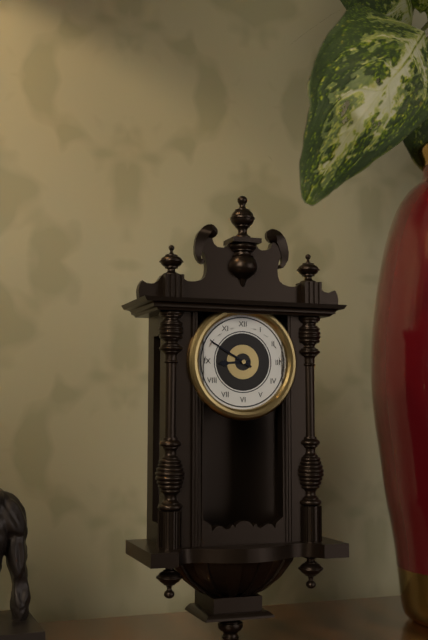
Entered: 8.50
